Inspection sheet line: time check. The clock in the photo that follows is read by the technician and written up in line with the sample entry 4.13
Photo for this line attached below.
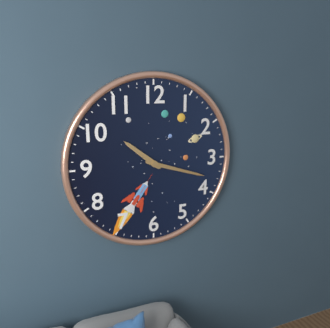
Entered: 10.18
